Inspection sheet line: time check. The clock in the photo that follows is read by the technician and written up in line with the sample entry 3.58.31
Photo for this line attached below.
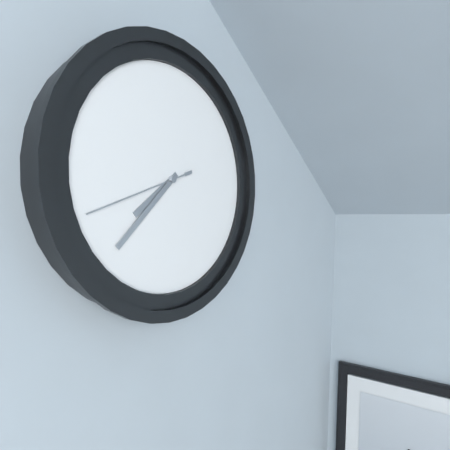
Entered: 7.37.41
